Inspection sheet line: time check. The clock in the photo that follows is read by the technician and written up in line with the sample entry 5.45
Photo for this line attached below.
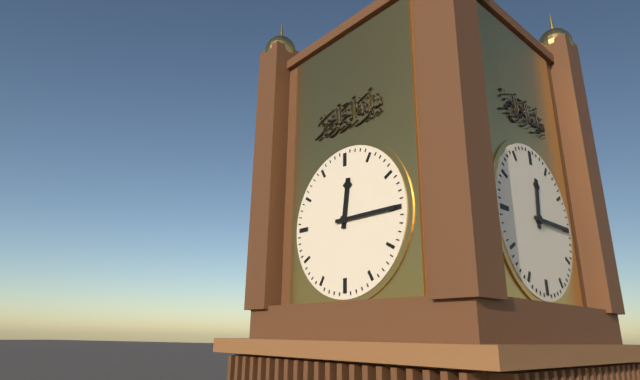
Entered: 12.15
